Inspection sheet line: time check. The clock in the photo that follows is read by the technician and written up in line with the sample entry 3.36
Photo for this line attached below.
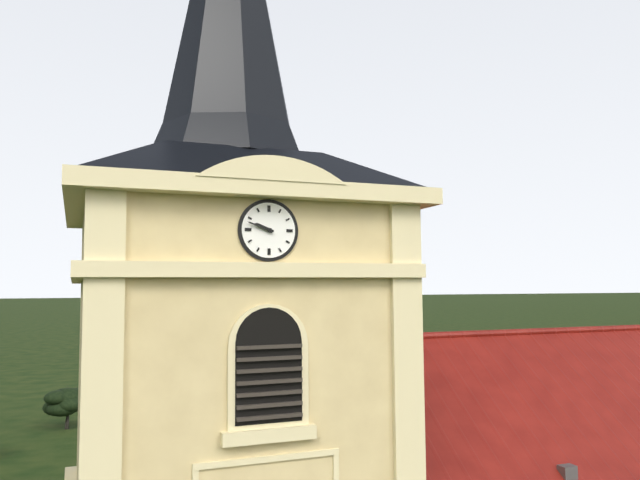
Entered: 9.48
